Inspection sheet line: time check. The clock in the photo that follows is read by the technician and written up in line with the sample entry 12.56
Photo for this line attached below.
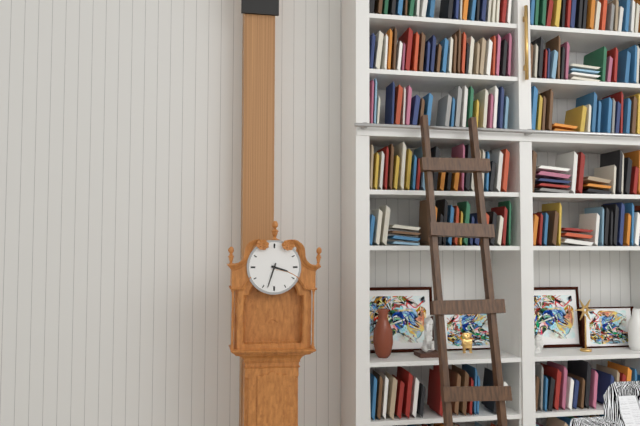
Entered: 3.33
